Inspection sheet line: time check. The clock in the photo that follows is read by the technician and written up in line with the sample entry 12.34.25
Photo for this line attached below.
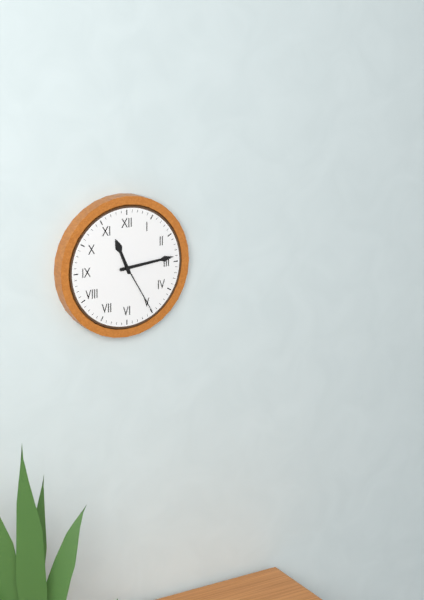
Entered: 11.14.25
